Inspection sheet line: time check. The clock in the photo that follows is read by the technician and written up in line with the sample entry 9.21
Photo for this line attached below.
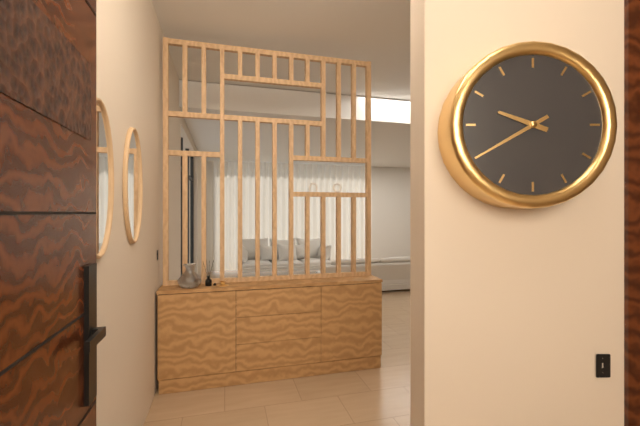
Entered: 9.40
